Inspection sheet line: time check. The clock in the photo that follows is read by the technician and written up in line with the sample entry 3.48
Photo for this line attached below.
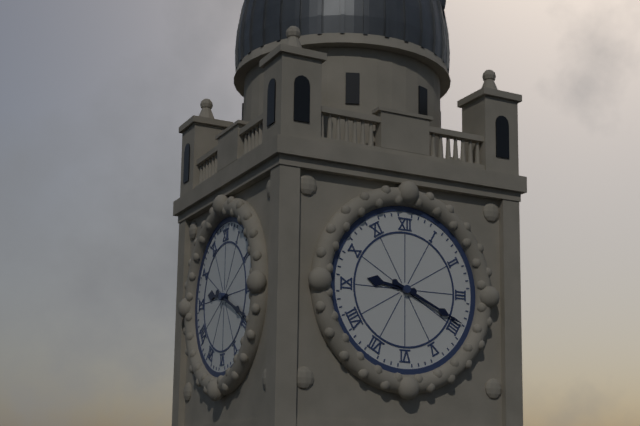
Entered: 9.19
